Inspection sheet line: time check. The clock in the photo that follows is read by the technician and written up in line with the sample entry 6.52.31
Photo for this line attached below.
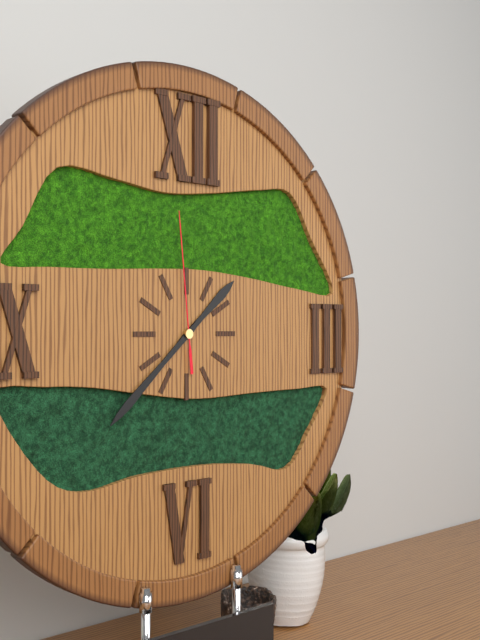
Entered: 1.38.59
